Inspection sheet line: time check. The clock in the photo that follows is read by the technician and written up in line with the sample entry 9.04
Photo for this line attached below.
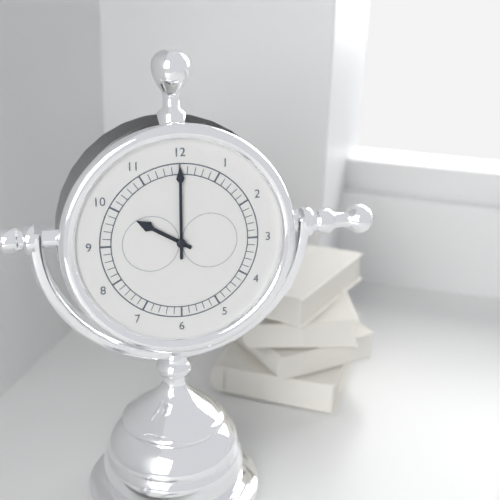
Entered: 10.00
